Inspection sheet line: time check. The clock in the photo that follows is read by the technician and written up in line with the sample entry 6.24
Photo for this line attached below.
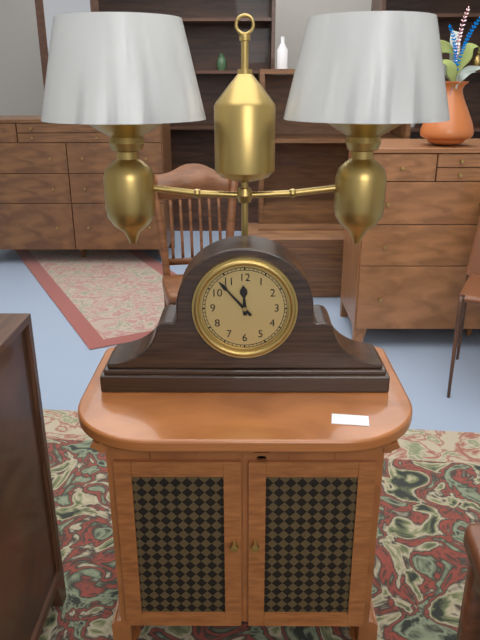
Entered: 11.53
